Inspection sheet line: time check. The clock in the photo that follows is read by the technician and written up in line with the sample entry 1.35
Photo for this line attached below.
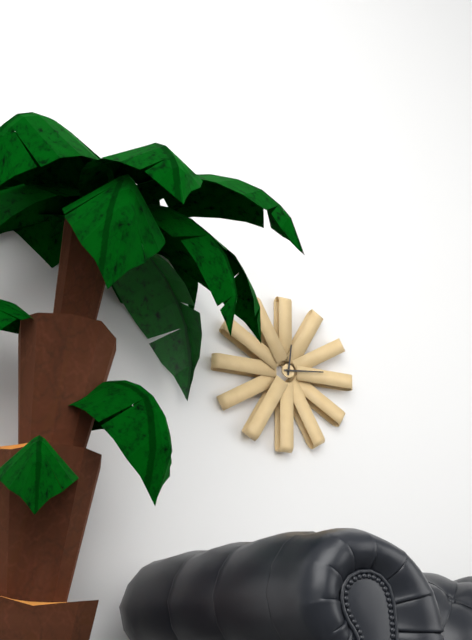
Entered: 12.14
